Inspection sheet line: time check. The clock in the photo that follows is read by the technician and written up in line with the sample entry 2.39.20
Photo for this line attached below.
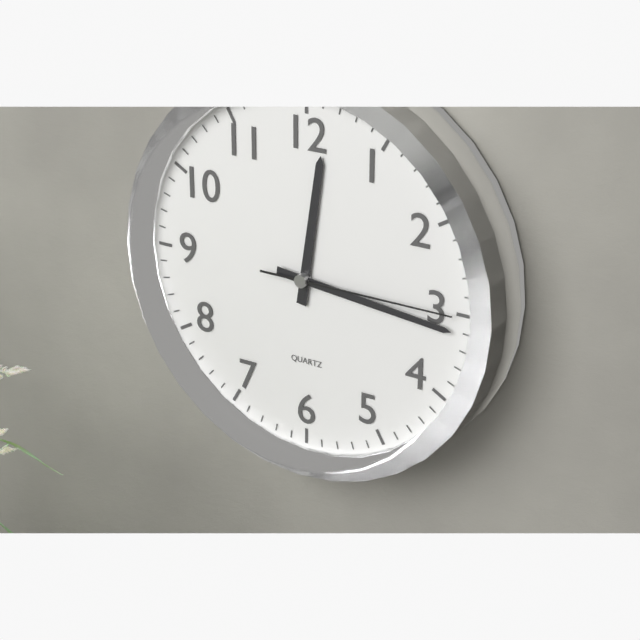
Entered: 12.16.15
